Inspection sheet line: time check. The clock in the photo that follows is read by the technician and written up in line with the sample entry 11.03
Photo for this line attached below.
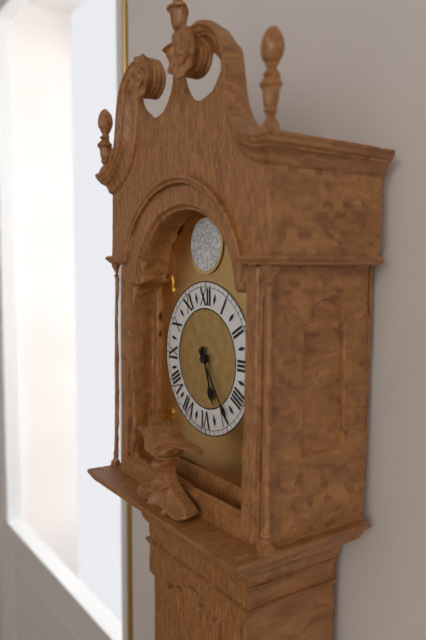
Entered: 5.24
